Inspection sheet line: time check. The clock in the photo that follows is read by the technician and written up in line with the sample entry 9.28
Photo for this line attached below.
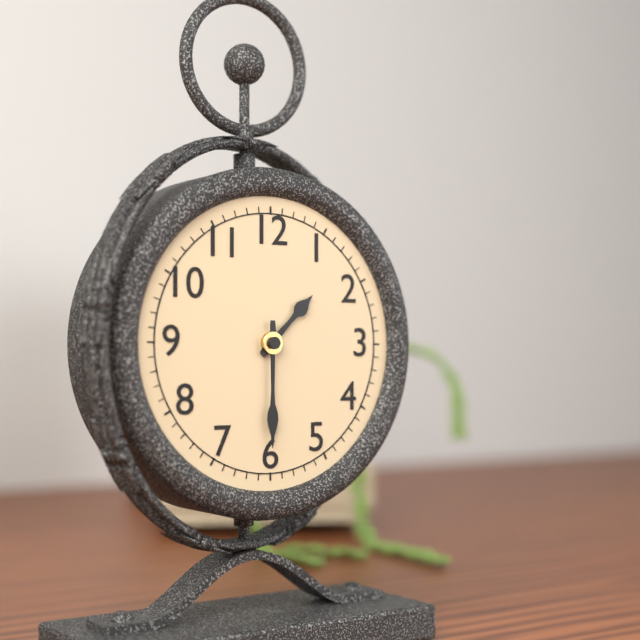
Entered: 1.30
